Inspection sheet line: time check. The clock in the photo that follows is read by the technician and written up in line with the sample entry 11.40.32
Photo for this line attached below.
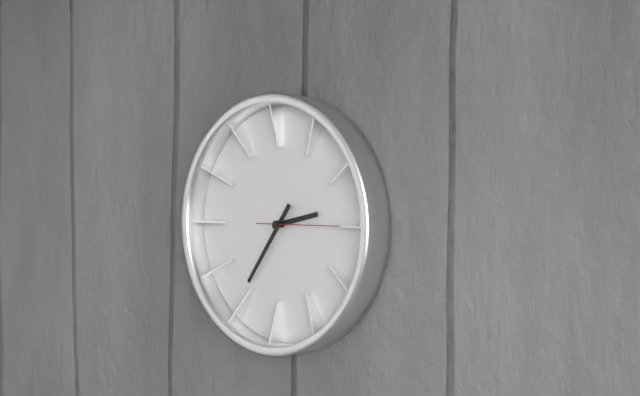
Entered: 2.36.15
